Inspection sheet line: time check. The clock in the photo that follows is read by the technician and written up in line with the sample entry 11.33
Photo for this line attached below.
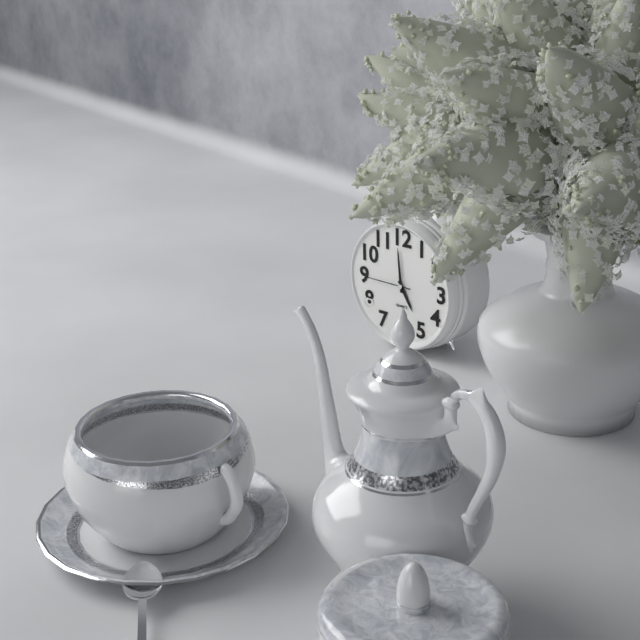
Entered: 4.59
